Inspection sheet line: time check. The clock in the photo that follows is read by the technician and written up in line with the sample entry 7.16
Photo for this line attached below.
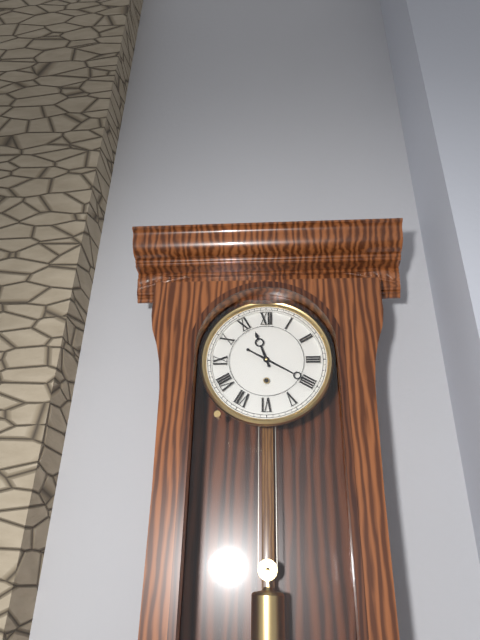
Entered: 11.20
